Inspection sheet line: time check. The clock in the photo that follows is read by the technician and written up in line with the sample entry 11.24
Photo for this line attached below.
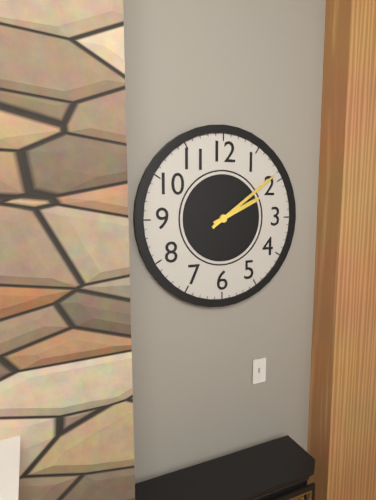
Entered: 2.09
